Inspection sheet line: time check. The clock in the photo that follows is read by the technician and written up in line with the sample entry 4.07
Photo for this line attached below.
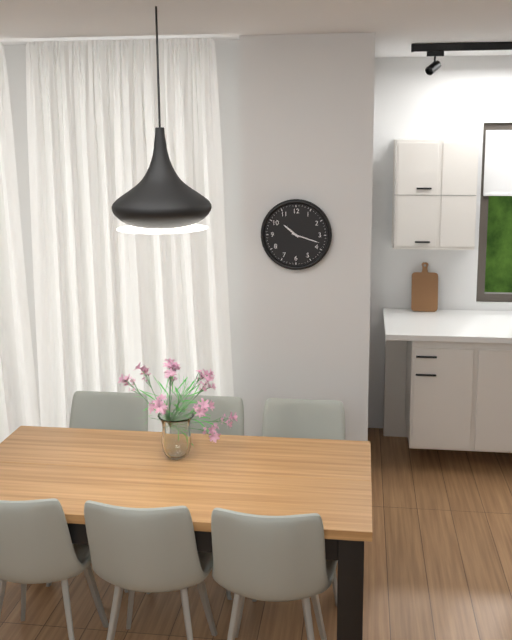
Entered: 10.18
